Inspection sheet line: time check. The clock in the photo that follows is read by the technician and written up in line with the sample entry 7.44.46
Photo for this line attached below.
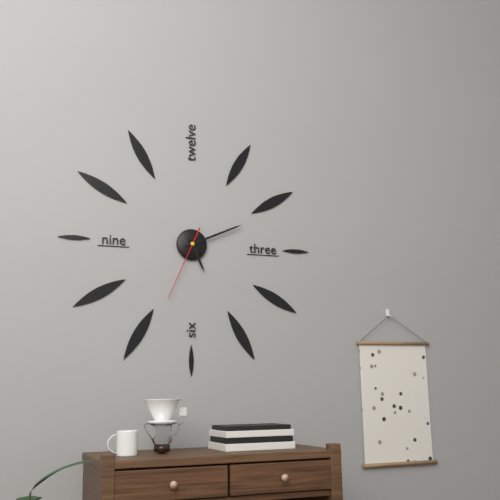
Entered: 5.11.34
